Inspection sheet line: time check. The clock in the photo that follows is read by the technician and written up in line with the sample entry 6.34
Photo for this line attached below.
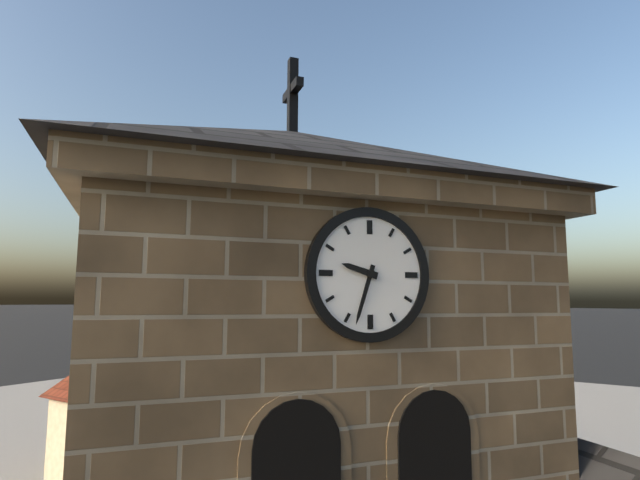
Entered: 9.33
